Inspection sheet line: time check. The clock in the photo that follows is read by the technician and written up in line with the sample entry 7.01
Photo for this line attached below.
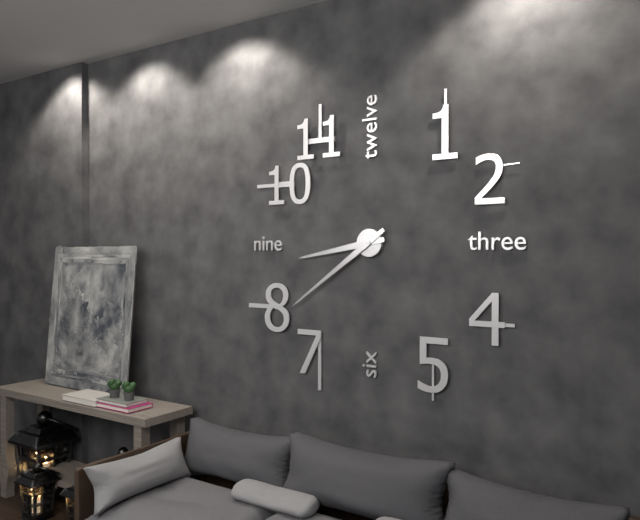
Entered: 8.39
